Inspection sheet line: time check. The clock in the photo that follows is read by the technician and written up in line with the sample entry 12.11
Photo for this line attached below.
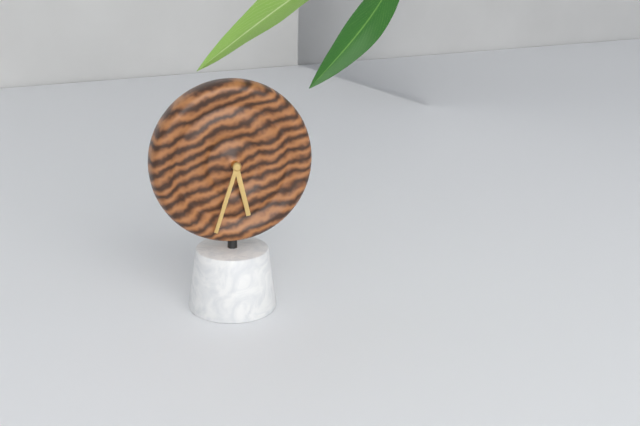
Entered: 5.33
